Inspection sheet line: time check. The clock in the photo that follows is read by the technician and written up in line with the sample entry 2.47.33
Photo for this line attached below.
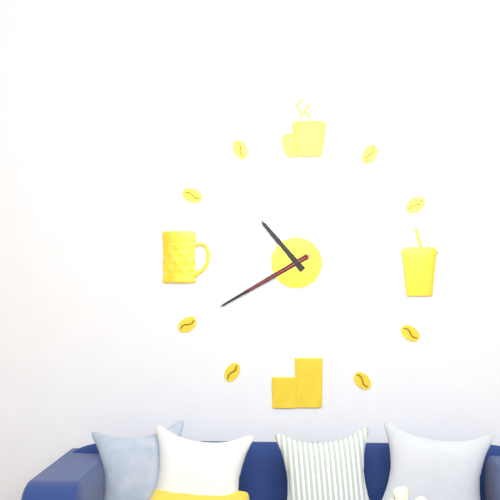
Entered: 10.40.40
